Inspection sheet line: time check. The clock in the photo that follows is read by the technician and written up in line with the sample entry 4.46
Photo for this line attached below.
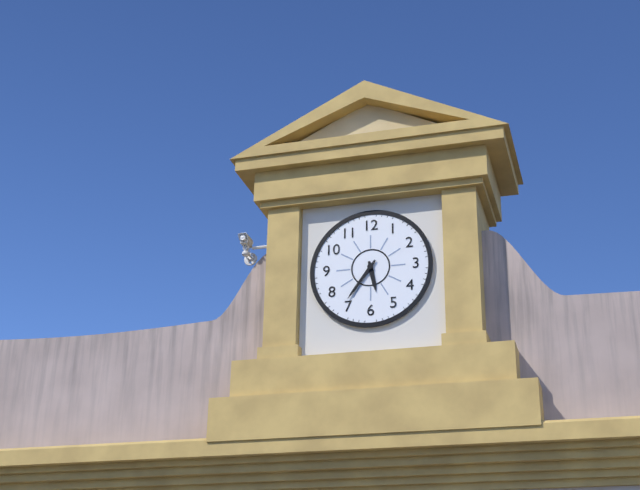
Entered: 5.36
